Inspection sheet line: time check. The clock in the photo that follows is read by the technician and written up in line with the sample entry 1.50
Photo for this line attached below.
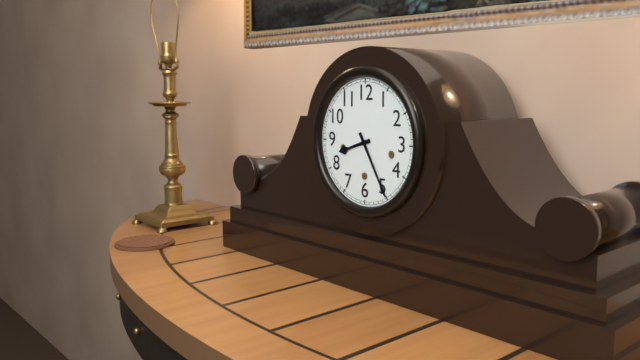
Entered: 8.25
